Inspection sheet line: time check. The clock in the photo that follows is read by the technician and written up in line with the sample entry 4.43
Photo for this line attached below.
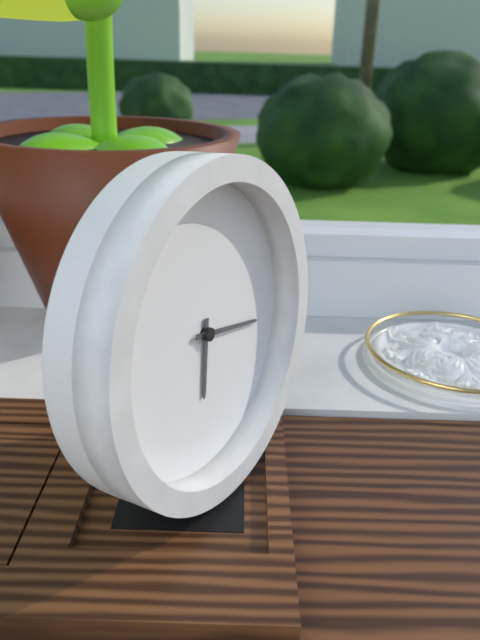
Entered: 6.17
